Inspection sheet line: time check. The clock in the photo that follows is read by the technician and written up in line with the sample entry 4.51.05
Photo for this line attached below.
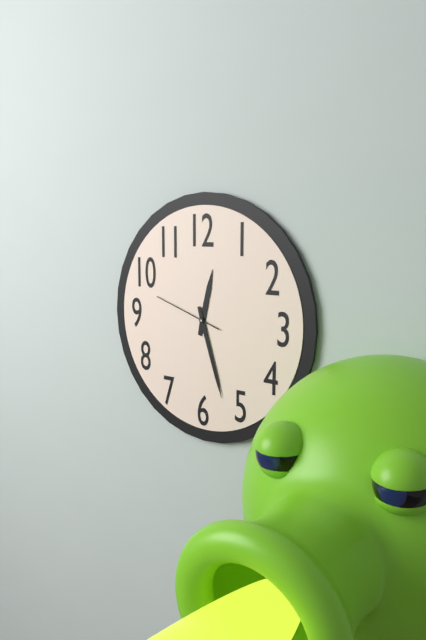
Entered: 12.27.48
